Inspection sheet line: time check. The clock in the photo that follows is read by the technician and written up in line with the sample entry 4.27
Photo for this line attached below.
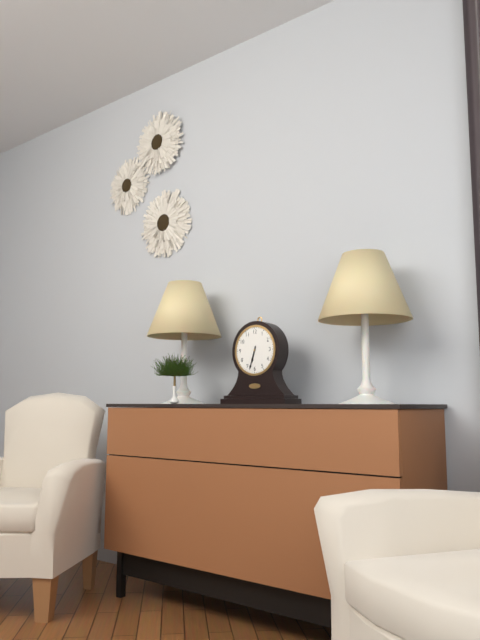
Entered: 6.33
